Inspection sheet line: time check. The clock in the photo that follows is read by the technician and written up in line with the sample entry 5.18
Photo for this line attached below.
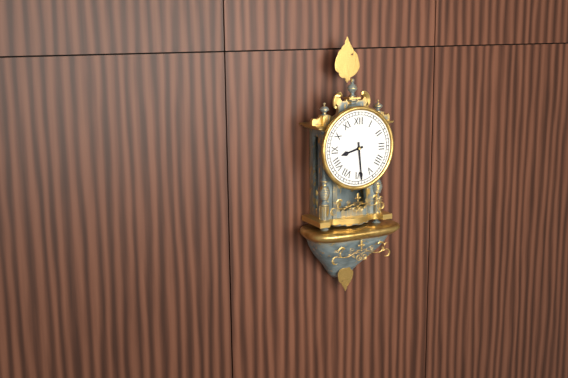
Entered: 8.29
